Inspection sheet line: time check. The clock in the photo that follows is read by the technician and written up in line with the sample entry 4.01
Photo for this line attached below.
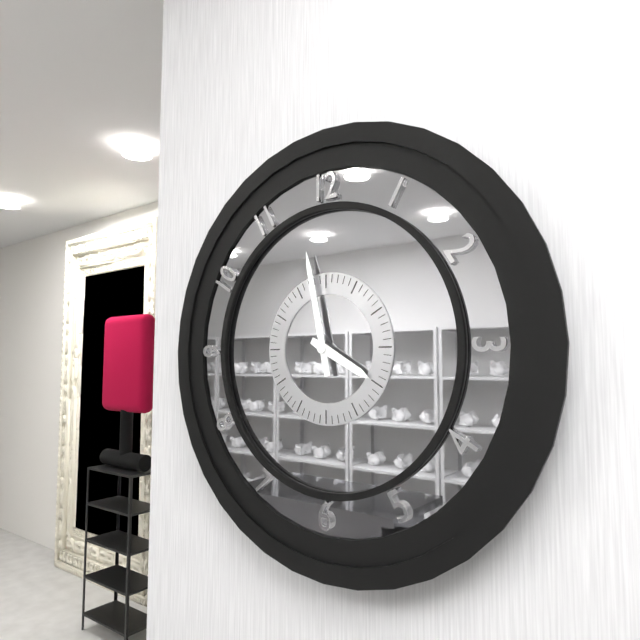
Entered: 3.58
